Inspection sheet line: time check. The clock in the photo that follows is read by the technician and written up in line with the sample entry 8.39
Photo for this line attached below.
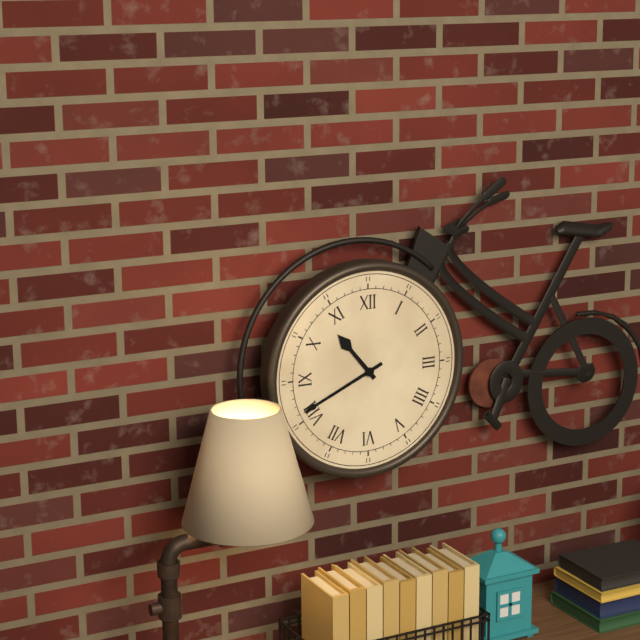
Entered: 10.41
